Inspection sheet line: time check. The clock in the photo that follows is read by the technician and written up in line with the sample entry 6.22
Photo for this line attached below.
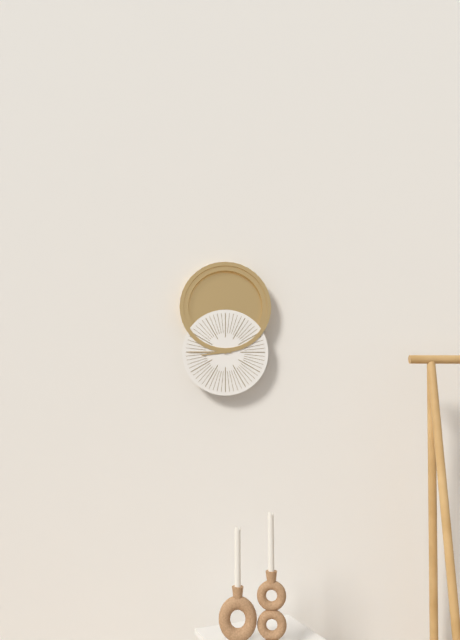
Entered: 8.45
